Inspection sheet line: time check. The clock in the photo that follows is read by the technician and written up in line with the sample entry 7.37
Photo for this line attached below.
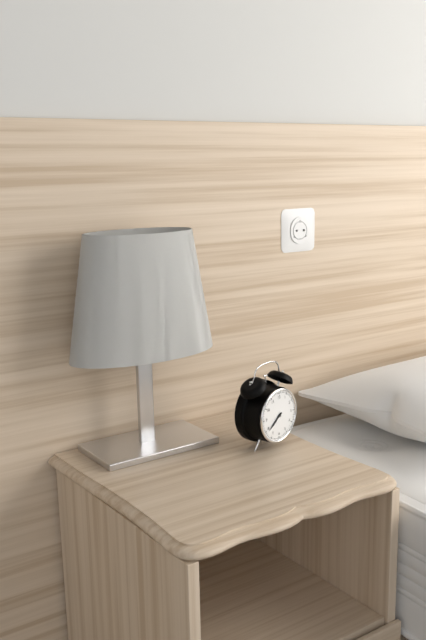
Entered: 7.39
